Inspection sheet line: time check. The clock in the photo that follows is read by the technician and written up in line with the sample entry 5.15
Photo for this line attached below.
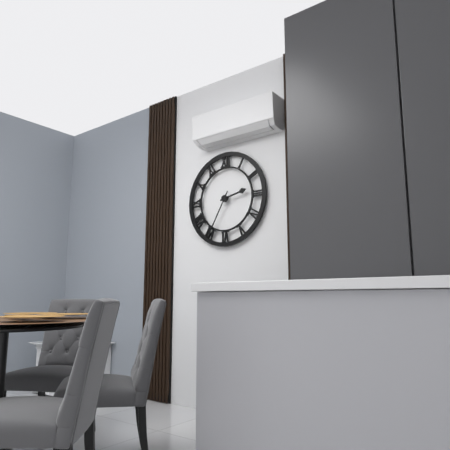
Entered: 2.35
